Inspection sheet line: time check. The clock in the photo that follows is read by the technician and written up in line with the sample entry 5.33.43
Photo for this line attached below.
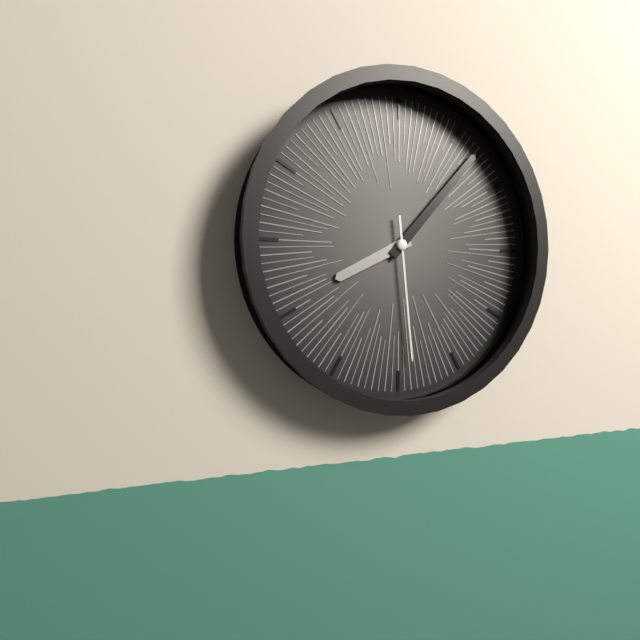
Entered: 8.07.29
